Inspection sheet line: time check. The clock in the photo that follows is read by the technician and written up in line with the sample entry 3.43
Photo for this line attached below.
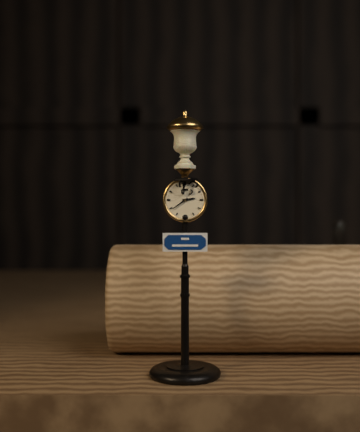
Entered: 2.39
